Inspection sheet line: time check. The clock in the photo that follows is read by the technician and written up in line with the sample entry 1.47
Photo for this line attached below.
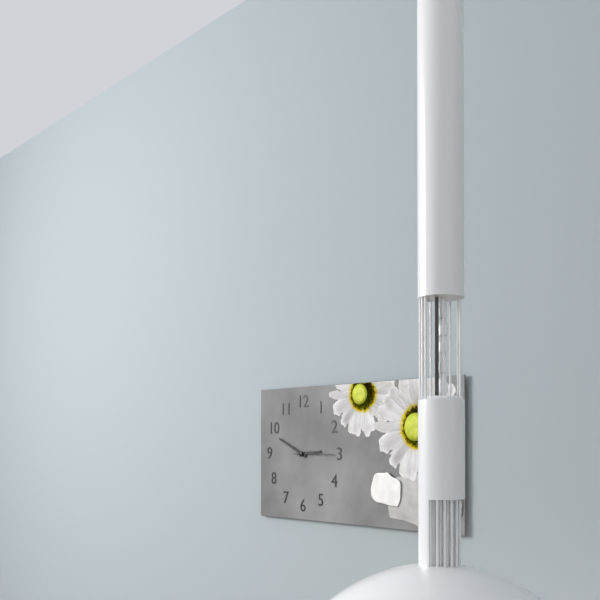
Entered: 2.49
